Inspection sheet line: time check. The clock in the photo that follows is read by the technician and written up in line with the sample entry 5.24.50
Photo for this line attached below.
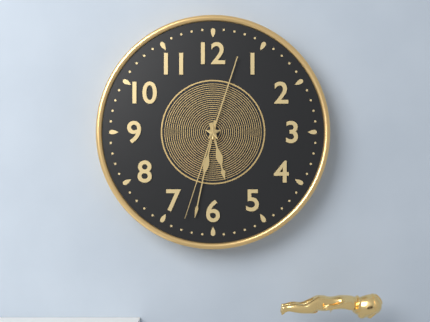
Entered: 5.32.33
